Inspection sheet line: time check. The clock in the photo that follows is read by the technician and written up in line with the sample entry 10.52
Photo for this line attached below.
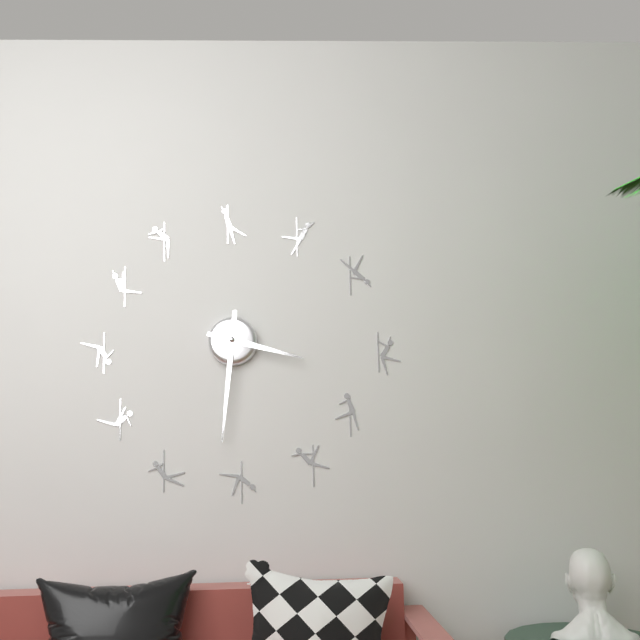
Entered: 3.31
